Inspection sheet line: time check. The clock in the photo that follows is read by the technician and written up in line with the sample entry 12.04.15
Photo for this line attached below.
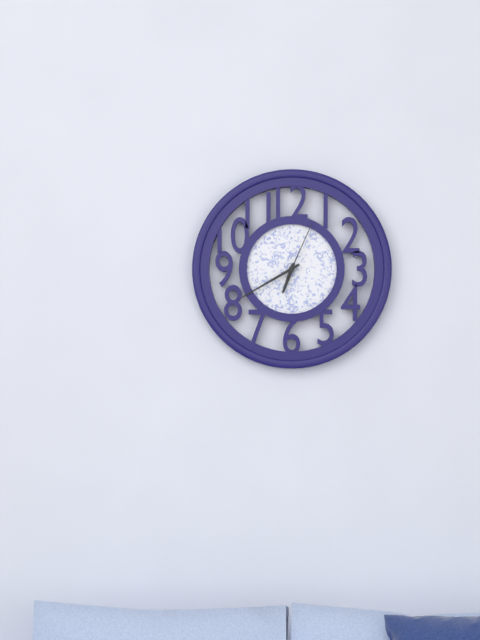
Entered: 6.40.04
